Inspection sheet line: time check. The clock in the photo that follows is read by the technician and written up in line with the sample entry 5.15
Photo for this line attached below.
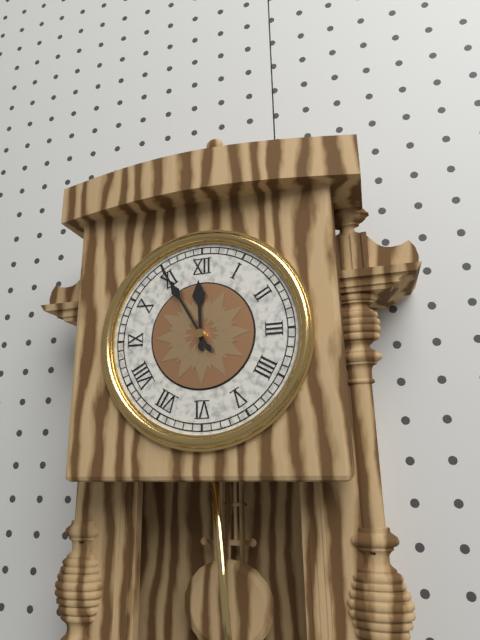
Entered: 11.55
